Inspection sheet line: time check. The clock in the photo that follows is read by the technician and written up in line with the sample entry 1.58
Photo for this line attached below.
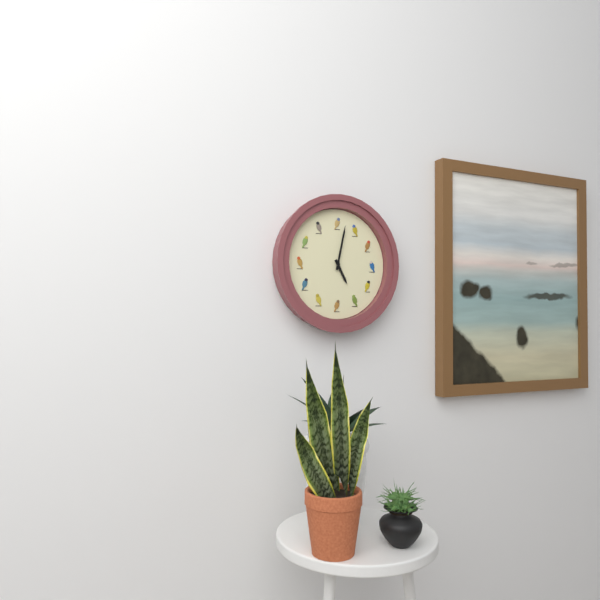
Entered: 5.02
